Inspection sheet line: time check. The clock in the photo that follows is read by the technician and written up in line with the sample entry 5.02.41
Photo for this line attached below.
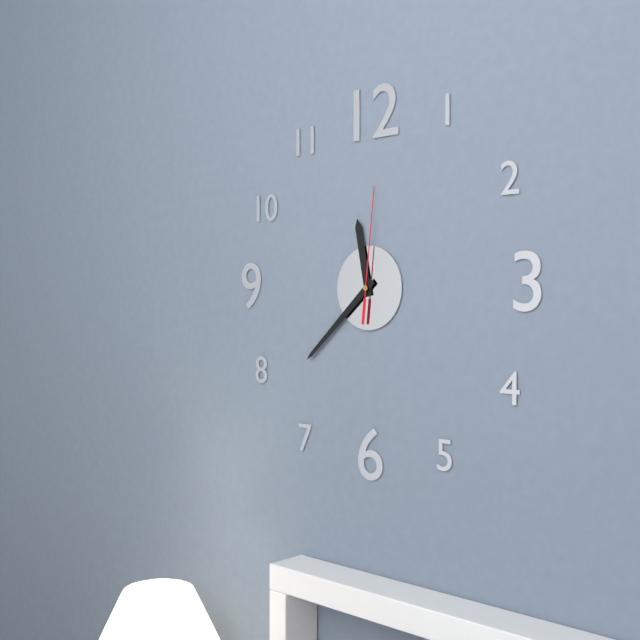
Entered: 11.38.01
